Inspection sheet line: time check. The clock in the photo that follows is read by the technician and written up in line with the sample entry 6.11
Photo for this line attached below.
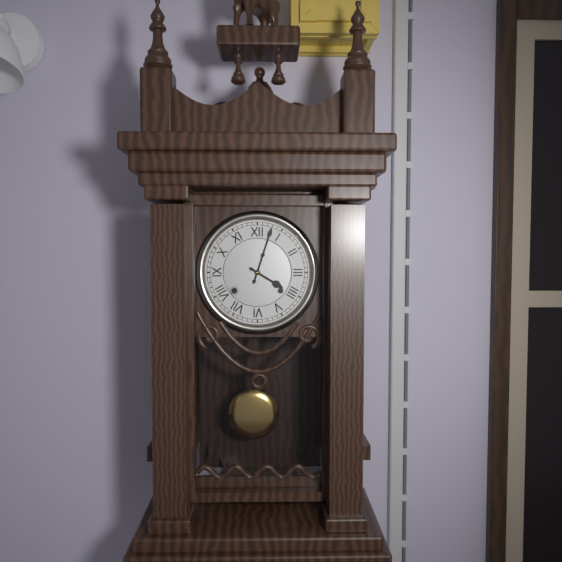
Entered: 4.03
